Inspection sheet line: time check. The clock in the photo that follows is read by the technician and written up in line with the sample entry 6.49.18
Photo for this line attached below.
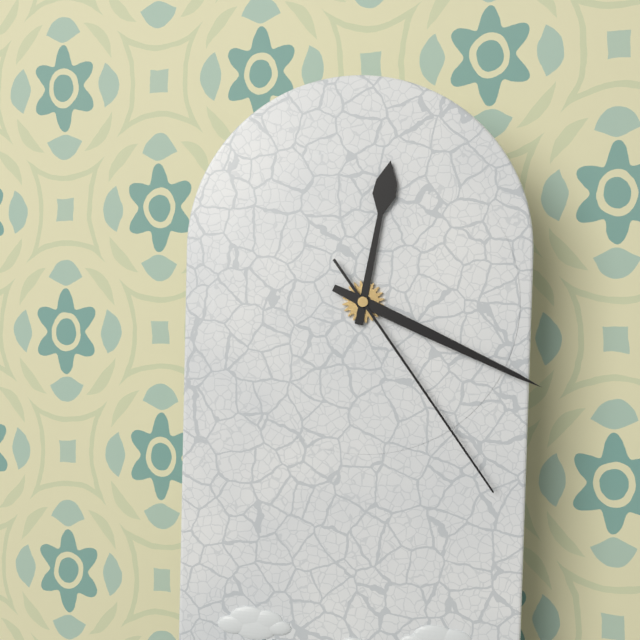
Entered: 12.19.24
